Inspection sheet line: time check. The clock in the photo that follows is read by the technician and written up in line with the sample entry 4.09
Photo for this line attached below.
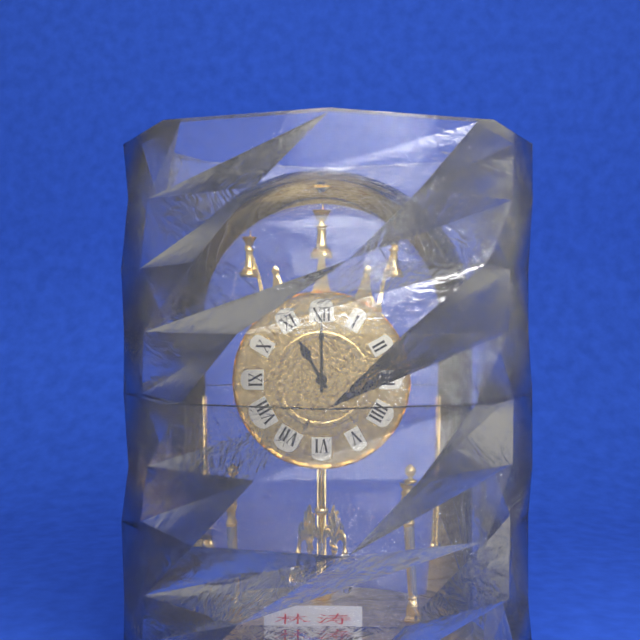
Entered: 11.00
